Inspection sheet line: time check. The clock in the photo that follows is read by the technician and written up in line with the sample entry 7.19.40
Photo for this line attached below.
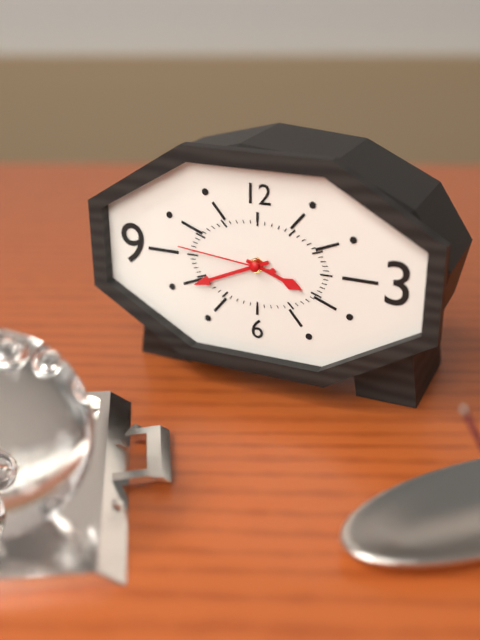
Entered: 3.41.46
